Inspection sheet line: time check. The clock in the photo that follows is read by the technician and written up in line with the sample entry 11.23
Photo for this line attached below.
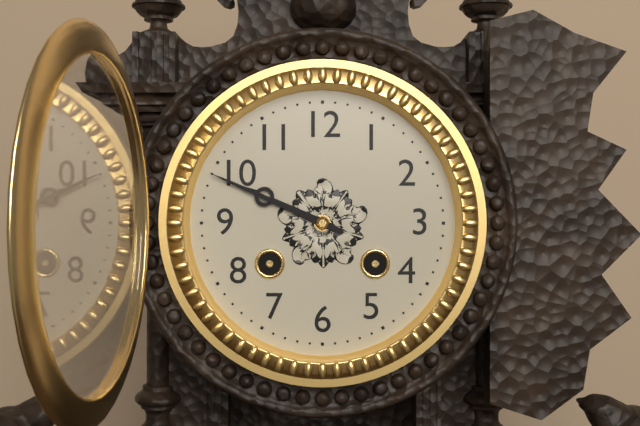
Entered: 9.49
